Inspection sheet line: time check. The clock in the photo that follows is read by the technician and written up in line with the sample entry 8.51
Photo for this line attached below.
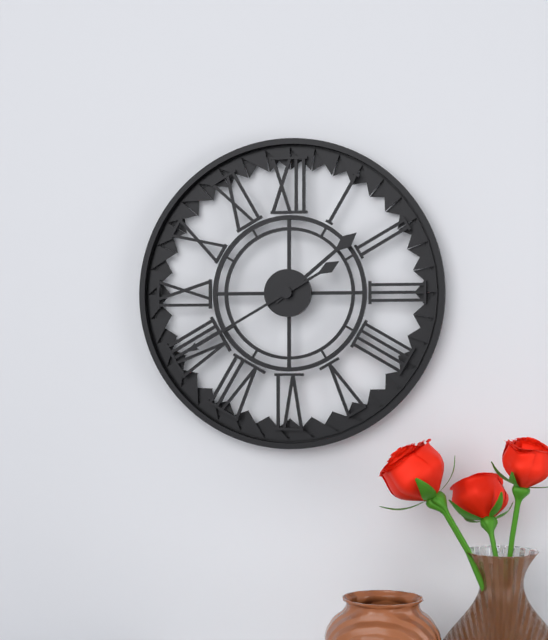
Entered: 1.40
